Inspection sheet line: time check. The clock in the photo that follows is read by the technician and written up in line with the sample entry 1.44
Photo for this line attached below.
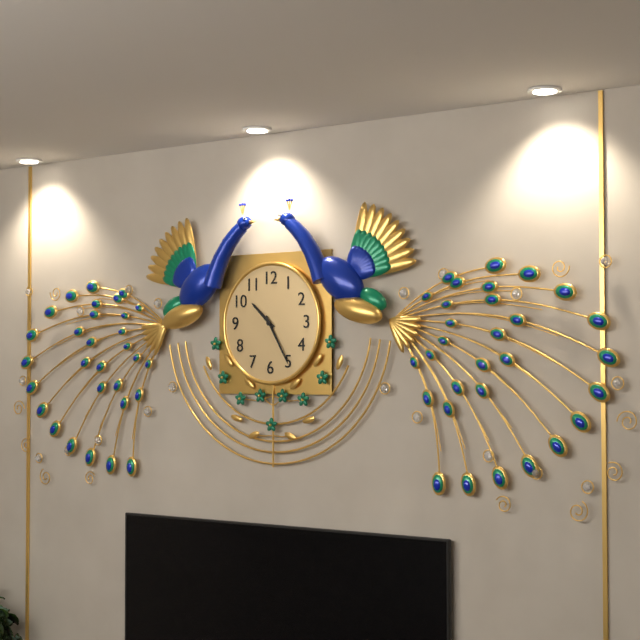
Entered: 10.25
